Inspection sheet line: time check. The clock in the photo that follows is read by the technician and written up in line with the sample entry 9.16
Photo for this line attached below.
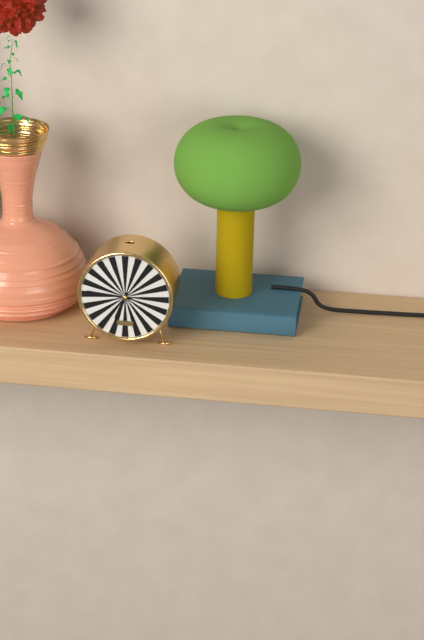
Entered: 6.46
